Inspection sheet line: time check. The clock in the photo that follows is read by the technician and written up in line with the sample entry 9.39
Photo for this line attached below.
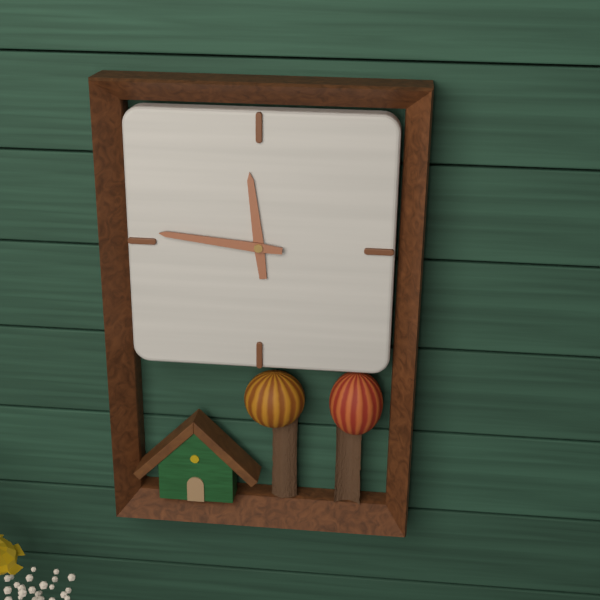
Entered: 11.46
